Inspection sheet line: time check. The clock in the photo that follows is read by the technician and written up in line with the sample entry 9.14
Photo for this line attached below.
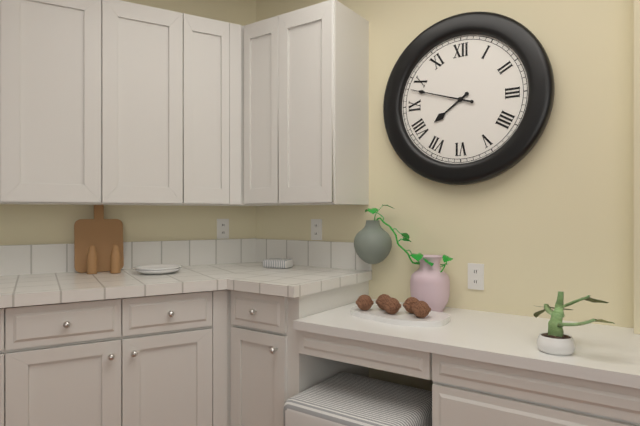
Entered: 7.48
